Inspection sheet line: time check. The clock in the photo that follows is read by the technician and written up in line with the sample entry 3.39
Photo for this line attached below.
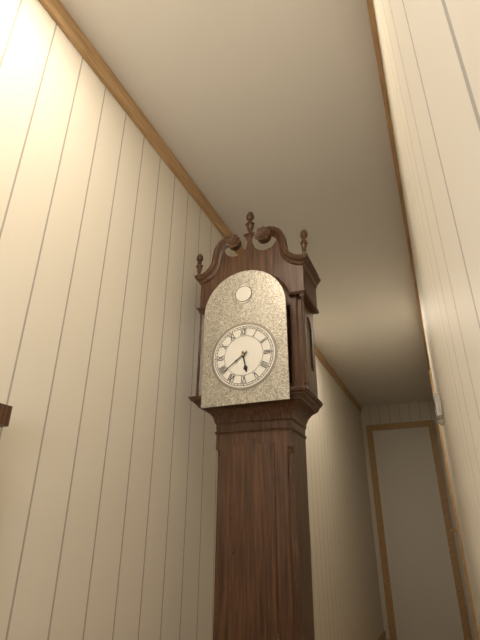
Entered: 5.39
